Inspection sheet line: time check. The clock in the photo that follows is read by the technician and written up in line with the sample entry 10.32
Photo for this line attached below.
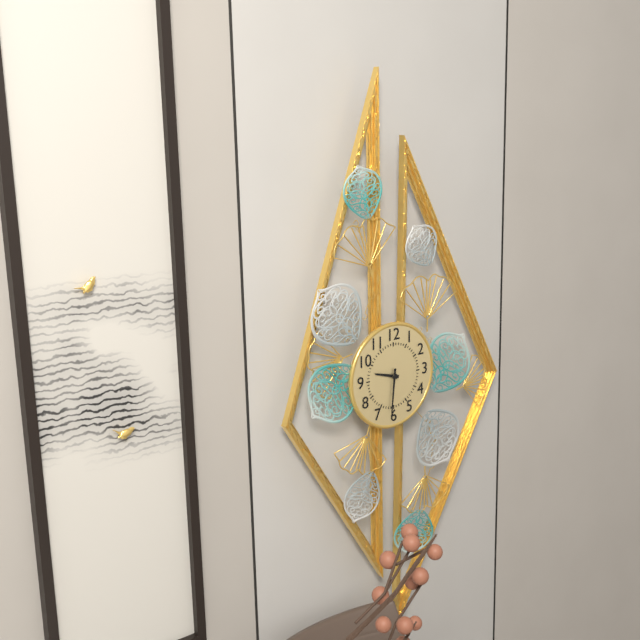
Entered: 9.31
